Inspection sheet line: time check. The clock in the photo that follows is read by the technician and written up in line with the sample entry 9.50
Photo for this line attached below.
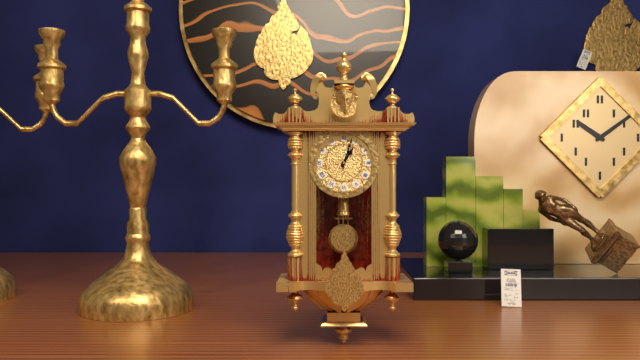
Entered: 1.03
